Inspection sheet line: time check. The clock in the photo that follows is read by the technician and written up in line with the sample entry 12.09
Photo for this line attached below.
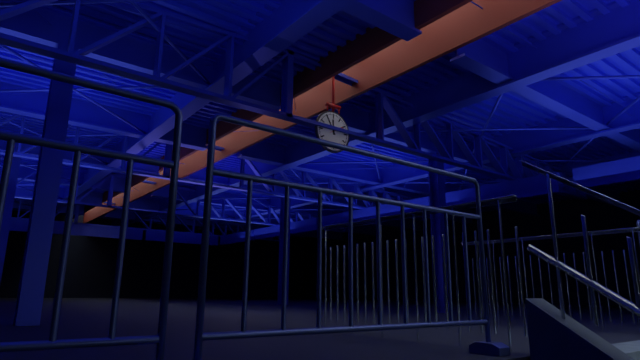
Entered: 11.55
